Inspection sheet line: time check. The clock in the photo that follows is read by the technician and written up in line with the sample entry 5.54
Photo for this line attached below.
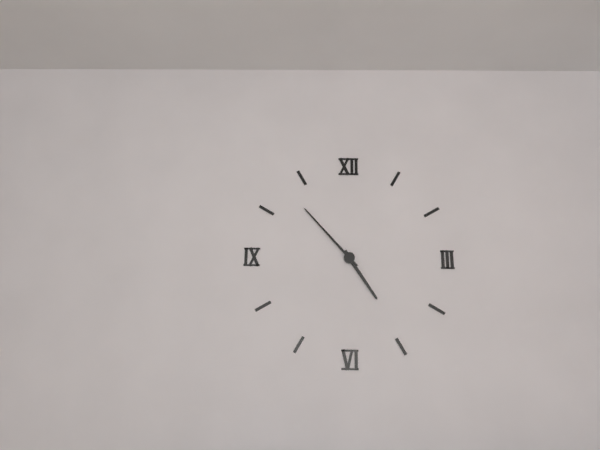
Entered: 4.53
